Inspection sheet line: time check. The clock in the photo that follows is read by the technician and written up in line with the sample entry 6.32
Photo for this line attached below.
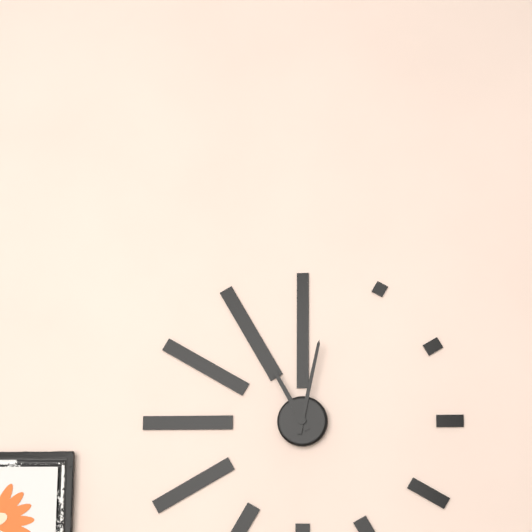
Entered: 11.02
